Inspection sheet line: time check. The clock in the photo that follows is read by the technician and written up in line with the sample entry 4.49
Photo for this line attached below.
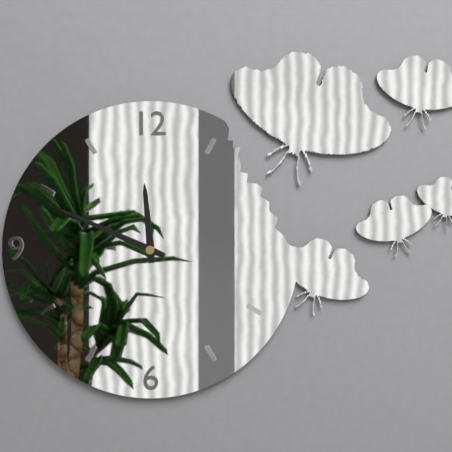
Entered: 11.49
